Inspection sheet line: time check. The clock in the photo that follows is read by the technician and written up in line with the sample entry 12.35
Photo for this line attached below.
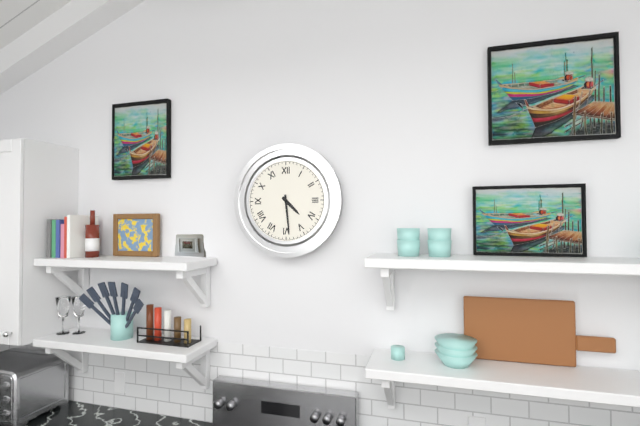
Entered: 4.29
